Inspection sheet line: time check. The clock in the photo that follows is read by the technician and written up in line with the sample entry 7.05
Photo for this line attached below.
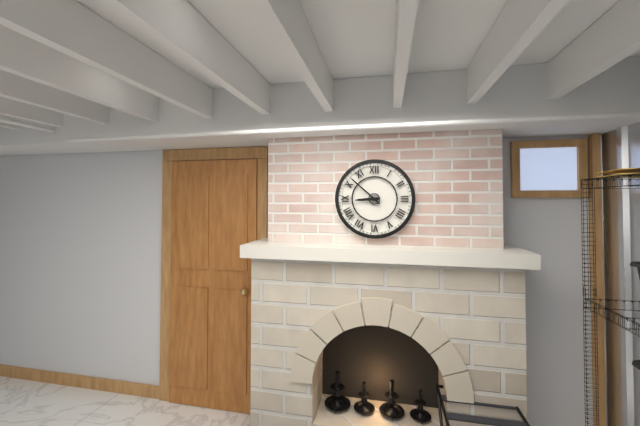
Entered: 8.52
